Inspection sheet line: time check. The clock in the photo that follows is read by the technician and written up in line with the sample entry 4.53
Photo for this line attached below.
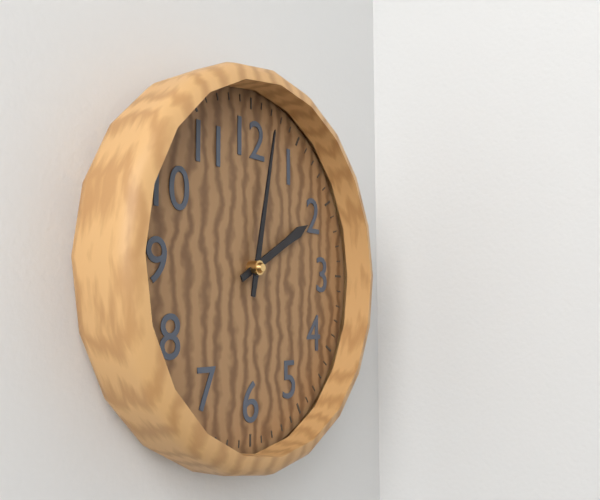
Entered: 2.02
